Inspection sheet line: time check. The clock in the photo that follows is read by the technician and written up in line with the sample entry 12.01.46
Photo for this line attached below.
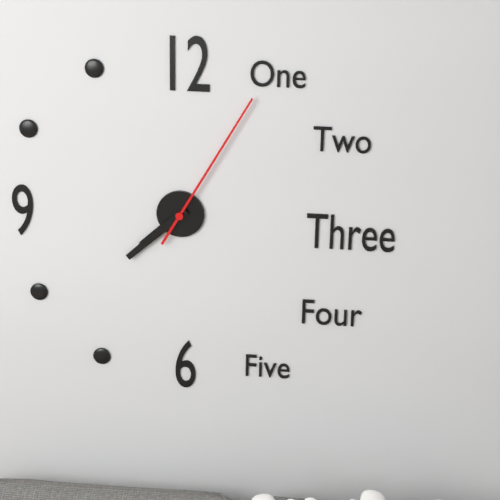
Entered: 7.38.05
